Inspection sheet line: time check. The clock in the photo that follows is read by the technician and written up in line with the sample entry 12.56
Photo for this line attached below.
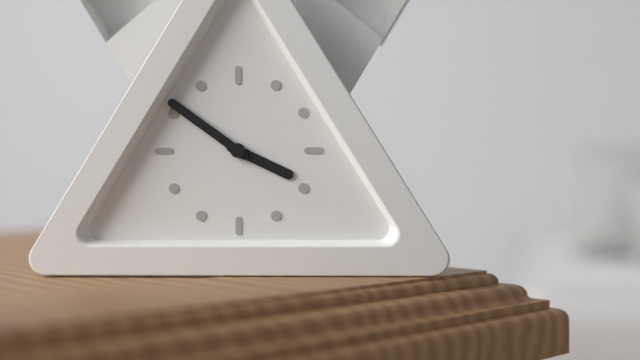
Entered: 3.51
